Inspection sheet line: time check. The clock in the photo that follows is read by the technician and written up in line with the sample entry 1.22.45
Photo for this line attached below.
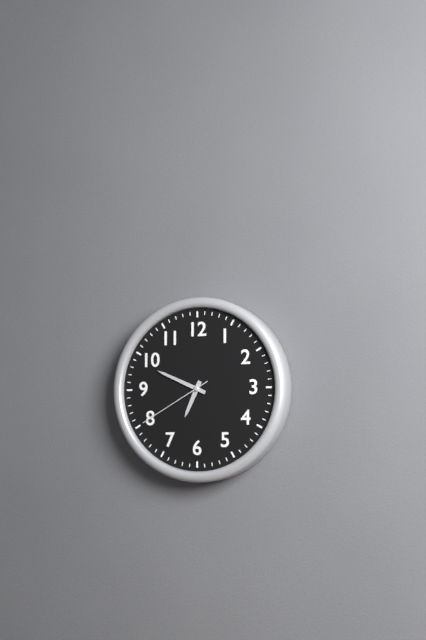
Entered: 6.49.40
